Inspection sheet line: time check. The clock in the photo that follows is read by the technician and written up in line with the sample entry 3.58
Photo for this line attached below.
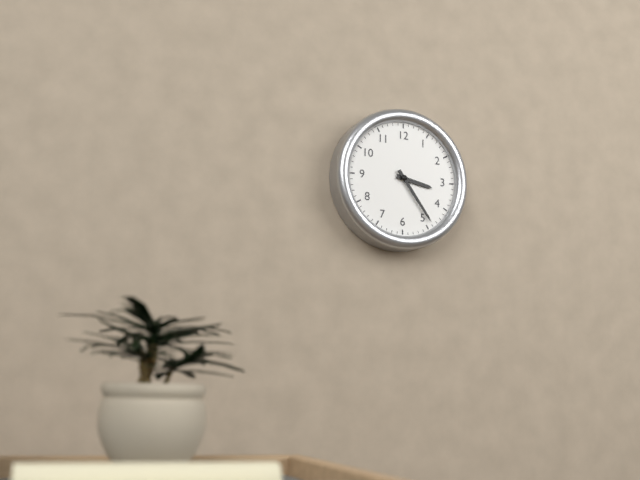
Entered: 3.24
